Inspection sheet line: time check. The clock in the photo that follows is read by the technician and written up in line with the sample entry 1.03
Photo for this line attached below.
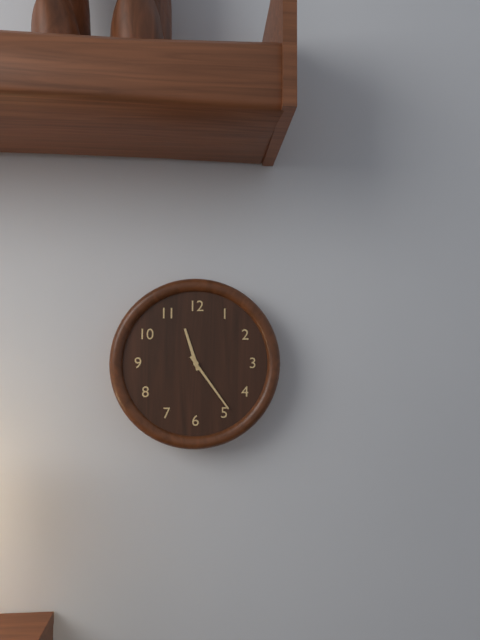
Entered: 11.24
